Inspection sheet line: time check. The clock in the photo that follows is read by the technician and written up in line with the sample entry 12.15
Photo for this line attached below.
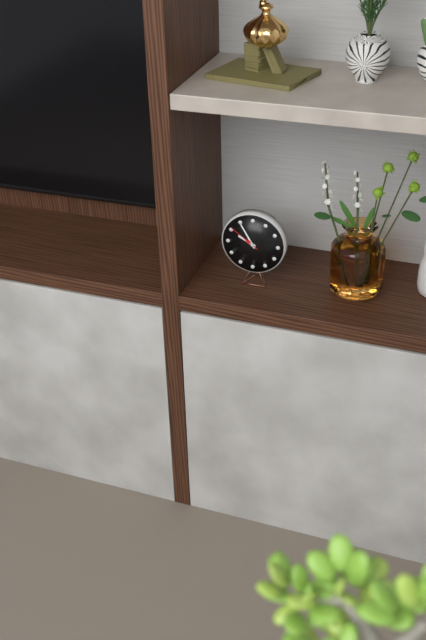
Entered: 9.55
